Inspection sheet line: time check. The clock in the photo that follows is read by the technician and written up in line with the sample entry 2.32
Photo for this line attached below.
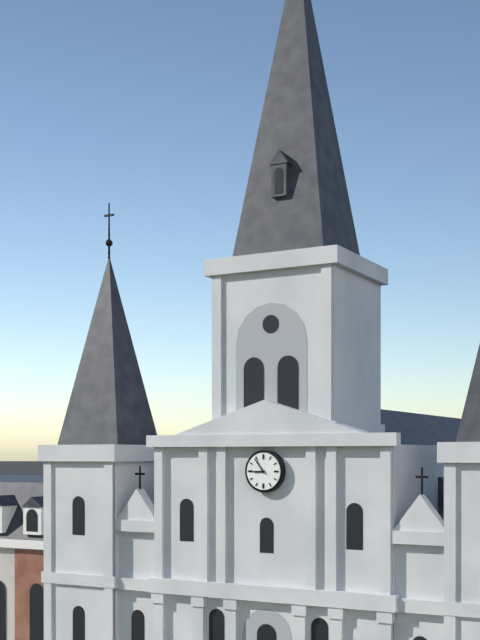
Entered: 8.54
